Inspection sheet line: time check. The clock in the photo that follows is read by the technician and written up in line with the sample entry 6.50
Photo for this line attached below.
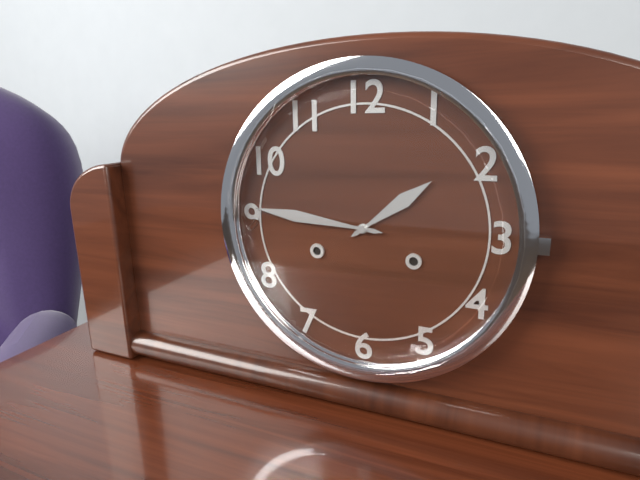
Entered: 1.46
